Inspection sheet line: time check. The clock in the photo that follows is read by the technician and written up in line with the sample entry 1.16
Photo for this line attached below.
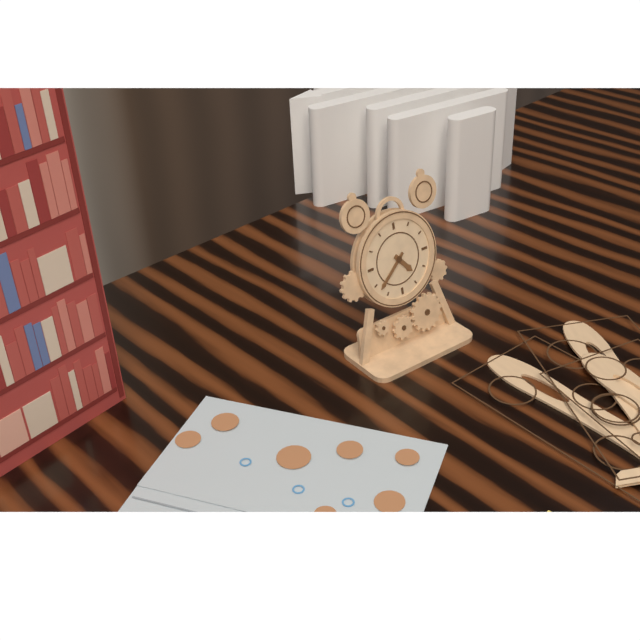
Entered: 4.38
